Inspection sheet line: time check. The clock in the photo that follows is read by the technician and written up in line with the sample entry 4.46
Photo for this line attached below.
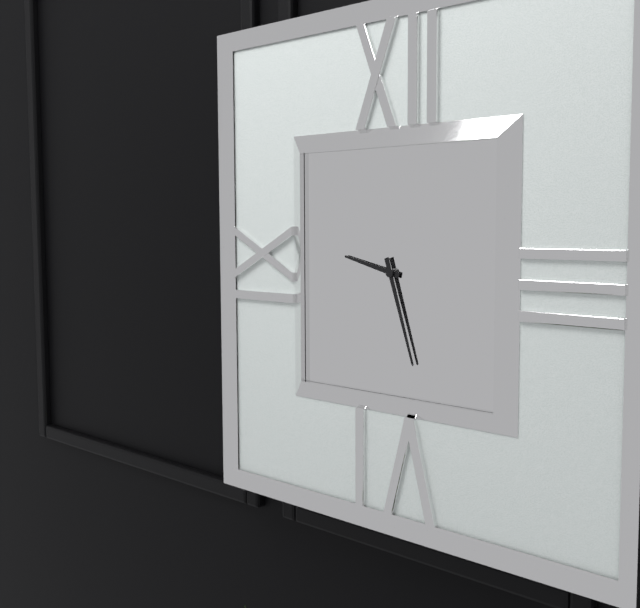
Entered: 9.27
